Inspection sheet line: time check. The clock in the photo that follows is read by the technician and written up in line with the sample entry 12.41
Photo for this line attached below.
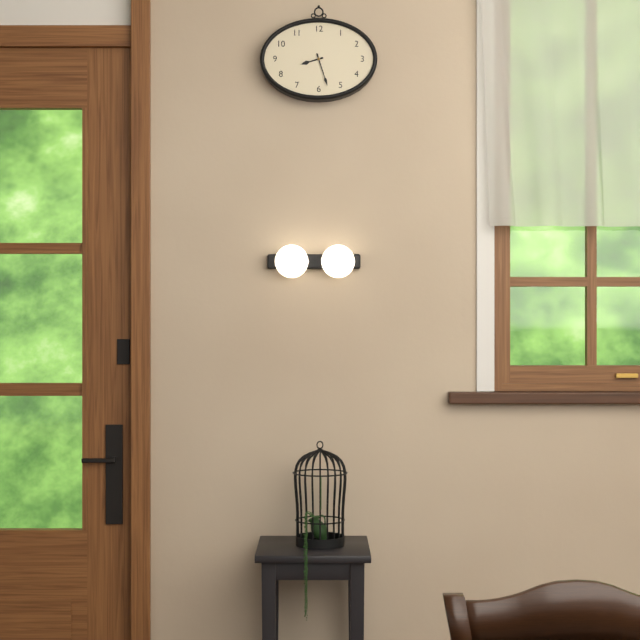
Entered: 8.27
